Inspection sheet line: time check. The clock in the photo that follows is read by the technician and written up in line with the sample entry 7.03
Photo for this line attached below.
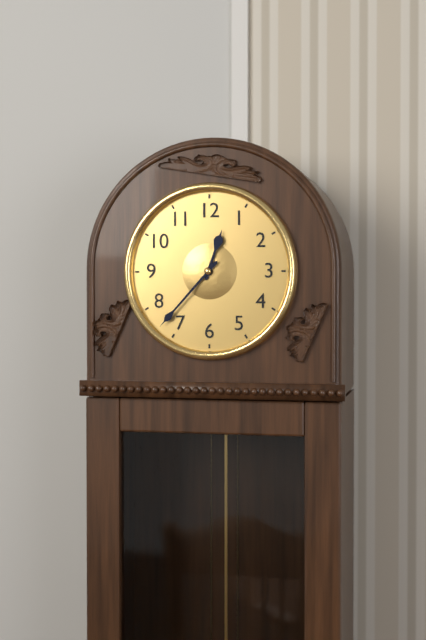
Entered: 12.37
